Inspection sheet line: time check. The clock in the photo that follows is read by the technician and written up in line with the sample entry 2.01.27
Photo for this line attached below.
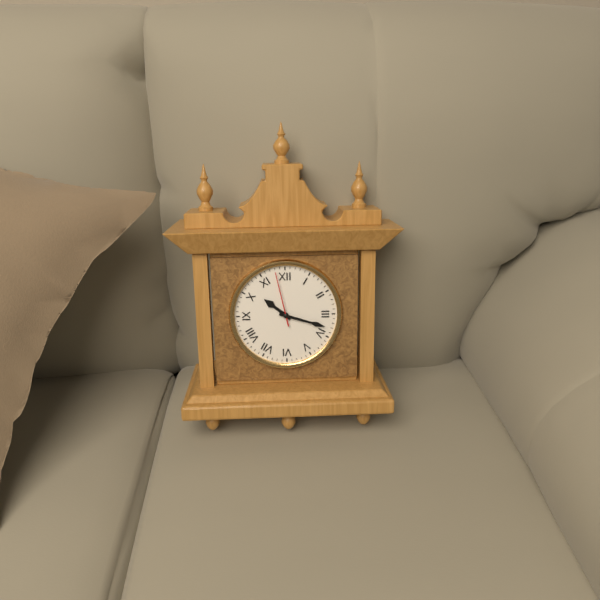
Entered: 10.18.58
